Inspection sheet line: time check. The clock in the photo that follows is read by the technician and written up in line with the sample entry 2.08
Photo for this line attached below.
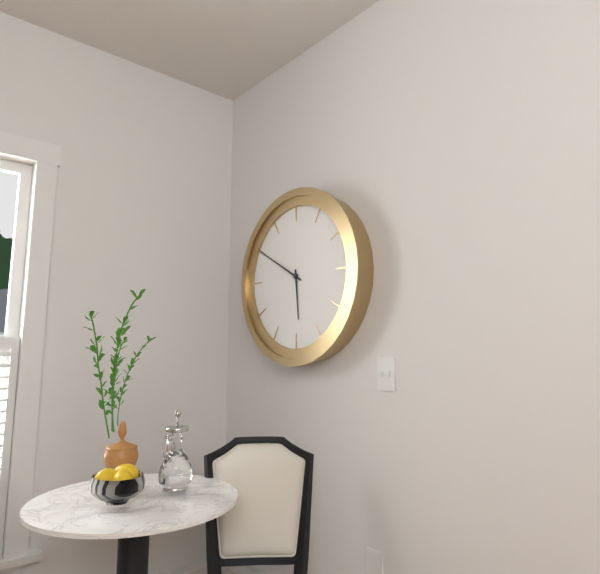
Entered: 5.50
